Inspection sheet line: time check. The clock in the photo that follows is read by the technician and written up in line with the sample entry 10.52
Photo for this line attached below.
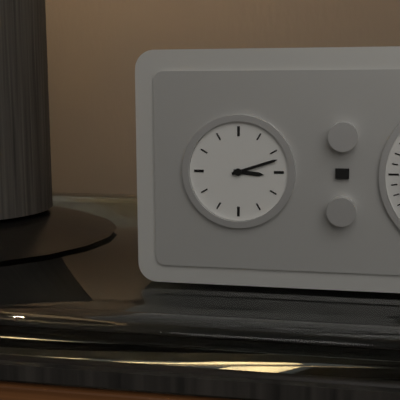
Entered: 3.12
